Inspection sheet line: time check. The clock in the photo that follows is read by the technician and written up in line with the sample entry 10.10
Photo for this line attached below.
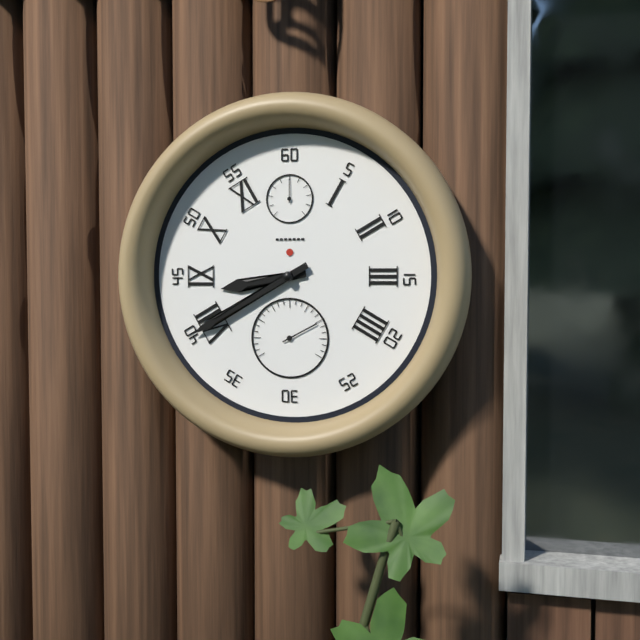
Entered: 8.40
